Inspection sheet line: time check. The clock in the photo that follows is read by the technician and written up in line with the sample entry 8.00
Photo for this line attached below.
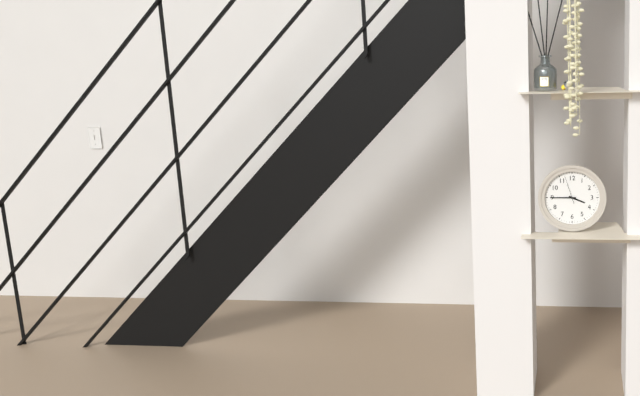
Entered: 3.45
